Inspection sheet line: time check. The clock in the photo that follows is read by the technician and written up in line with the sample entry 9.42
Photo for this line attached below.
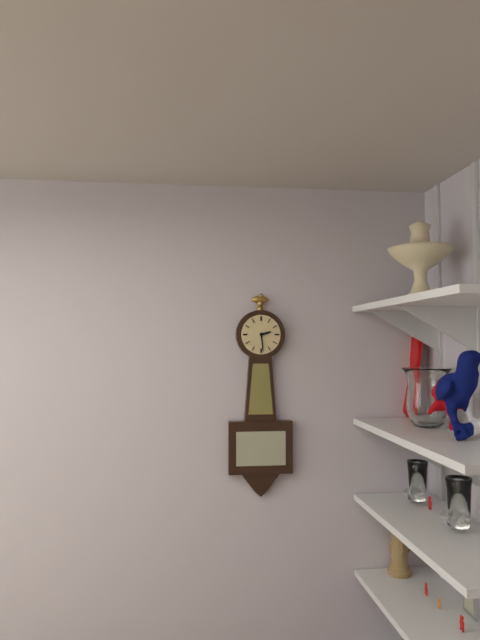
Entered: 2.29
